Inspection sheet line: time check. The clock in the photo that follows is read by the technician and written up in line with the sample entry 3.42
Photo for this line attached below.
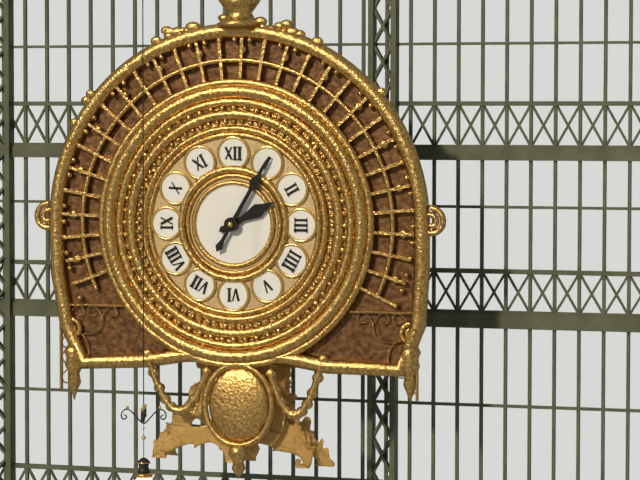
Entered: 2.05
